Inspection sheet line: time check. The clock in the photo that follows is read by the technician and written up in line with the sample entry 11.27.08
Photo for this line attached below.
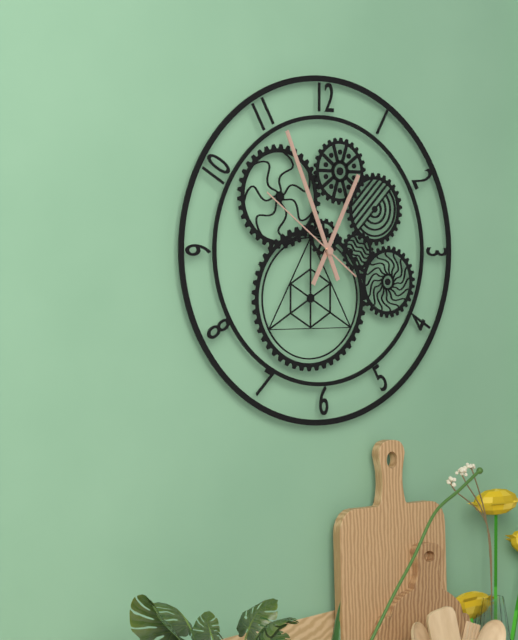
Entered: 12.56.51
